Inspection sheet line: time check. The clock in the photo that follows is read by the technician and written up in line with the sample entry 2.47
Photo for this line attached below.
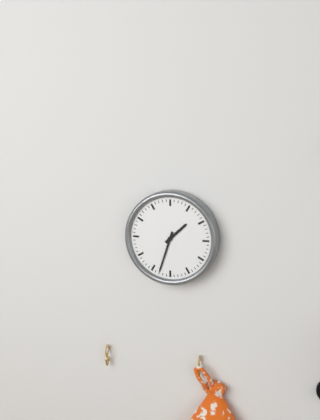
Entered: 1.33
